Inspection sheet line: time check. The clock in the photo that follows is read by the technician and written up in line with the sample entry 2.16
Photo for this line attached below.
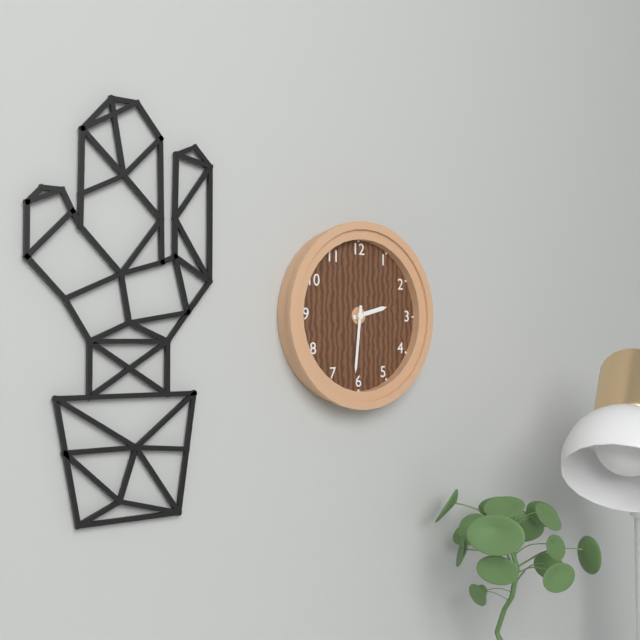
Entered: 2.31
